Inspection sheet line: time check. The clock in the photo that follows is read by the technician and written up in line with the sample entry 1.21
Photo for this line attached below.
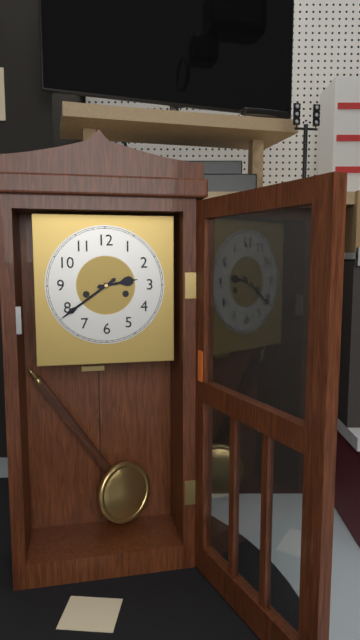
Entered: 2.39
